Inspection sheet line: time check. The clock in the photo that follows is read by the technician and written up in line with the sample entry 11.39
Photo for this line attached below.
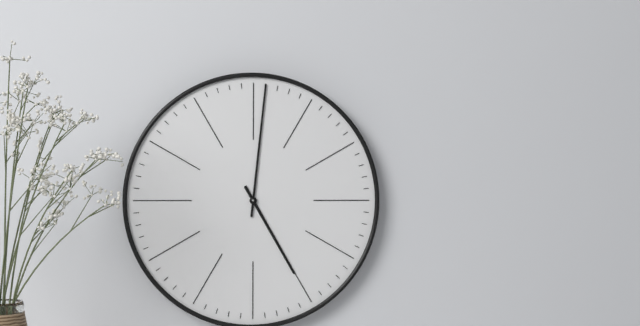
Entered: 5.01
